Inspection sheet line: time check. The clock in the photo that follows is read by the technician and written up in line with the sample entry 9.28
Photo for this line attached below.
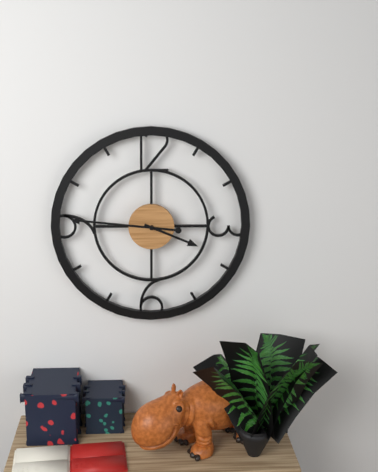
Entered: 3.46
